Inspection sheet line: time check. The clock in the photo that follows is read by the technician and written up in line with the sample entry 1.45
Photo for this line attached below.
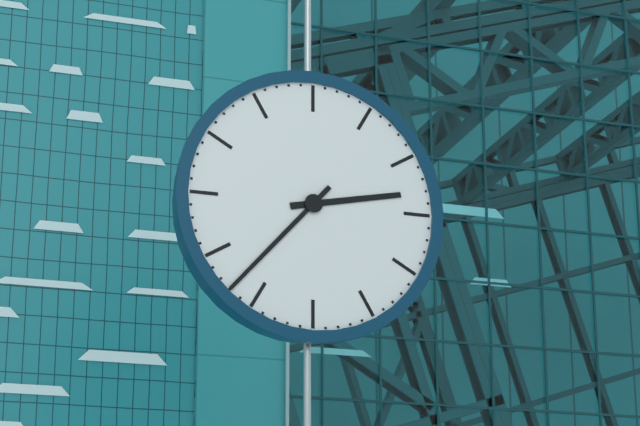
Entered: 2.37
